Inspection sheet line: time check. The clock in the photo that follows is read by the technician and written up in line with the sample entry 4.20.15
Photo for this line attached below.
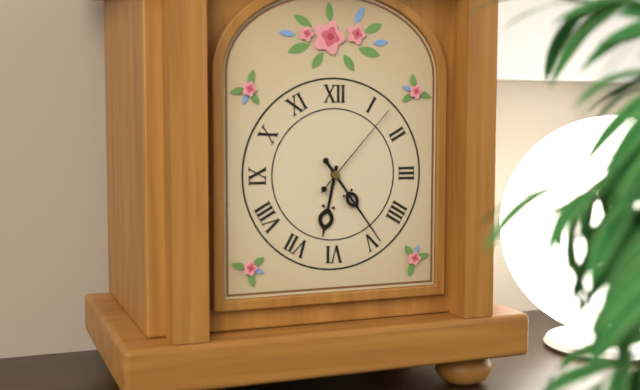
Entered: 6.24.07
